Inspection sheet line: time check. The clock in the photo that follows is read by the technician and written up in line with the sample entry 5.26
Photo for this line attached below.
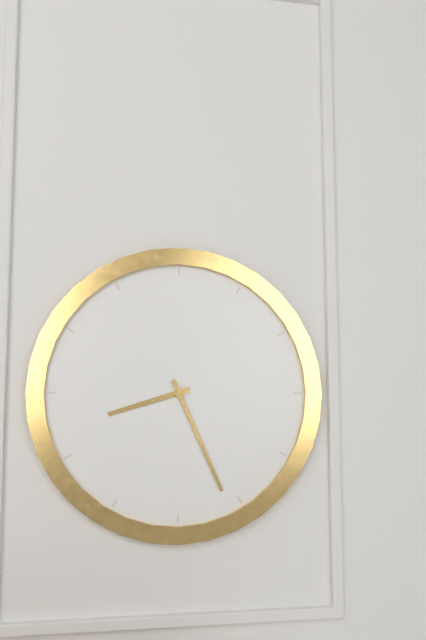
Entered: 8.26
